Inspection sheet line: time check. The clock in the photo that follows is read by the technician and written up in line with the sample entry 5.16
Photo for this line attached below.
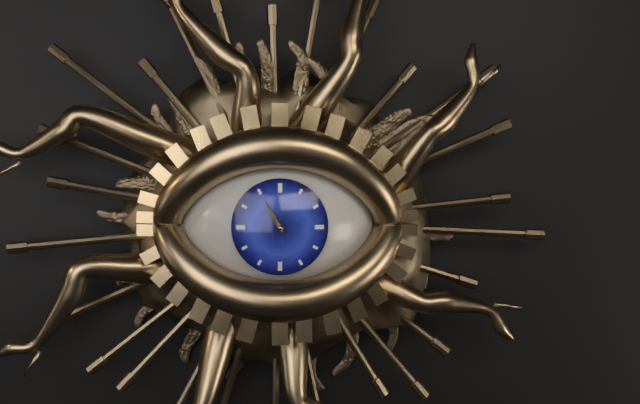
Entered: 10.55
